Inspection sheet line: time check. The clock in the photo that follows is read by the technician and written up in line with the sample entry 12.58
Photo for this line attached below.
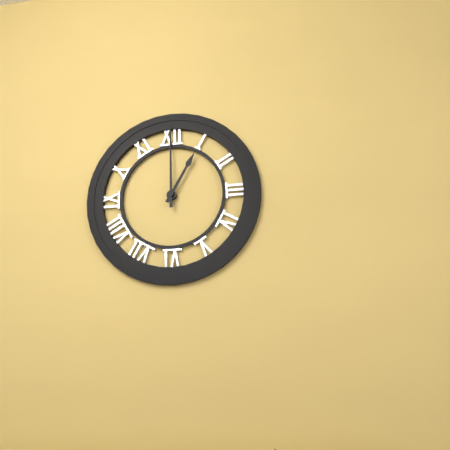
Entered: 1.00
